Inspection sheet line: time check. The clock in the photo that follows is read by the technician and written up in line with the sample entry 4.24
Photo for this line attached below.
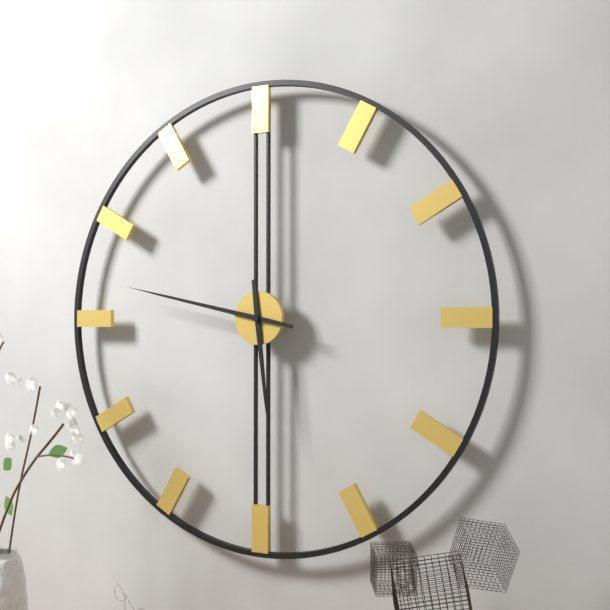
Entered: 5.47
